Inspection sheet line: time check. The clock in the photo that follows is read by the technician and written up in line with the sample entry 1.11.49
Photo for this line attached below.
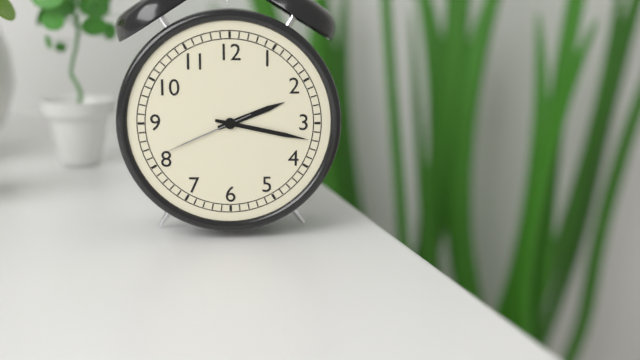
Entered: 2.17.41
